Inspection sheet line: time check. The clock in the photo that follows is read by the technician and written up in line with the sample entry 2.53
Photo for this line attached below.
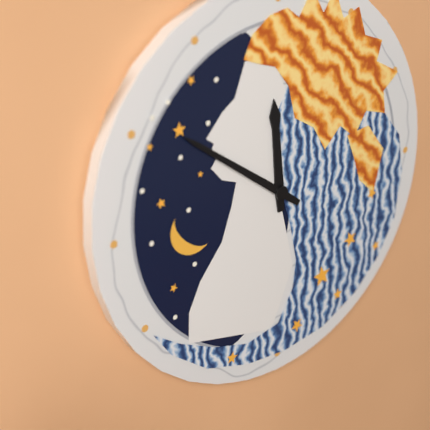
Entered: 11.51
